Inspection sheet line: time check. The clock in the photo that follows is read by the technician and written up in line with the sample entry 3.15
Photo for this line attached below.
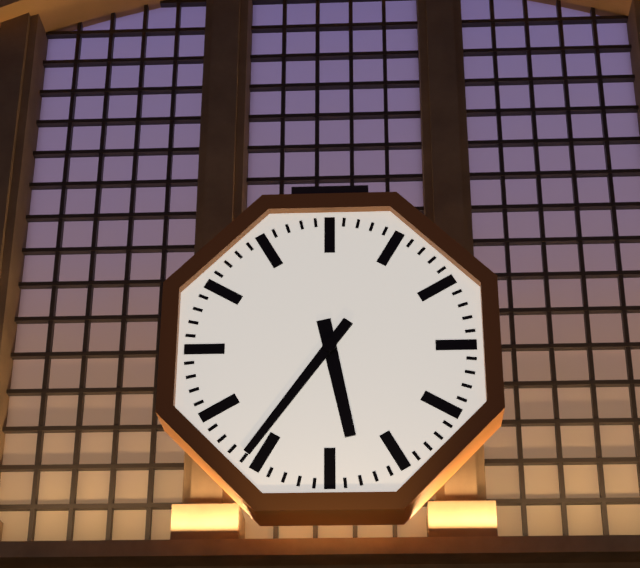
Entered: 5.36
